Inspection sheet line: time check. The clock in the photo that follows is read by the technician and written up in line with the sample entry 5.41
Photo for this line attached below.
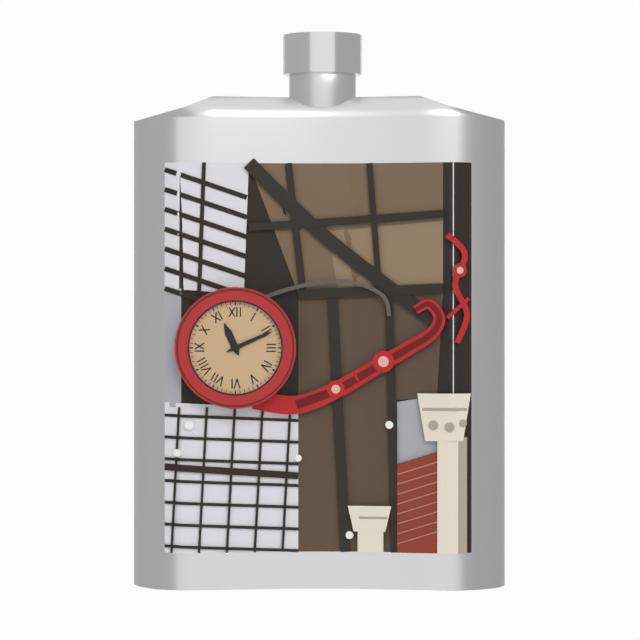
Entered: 11.11
